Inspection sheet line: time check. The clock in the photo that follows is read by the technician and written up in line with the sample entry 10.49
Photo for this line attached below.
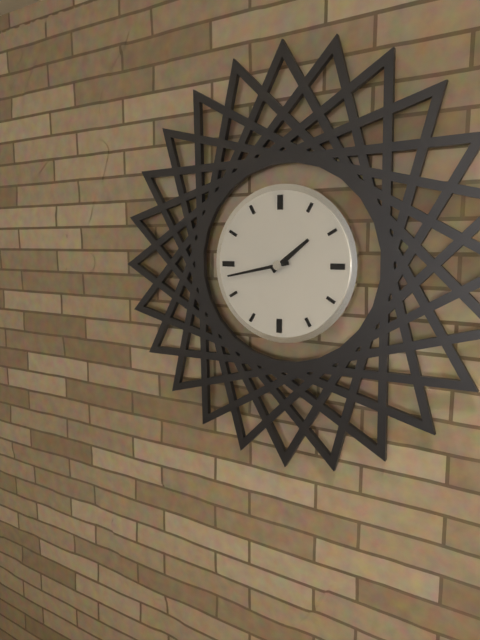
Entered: 1.43
